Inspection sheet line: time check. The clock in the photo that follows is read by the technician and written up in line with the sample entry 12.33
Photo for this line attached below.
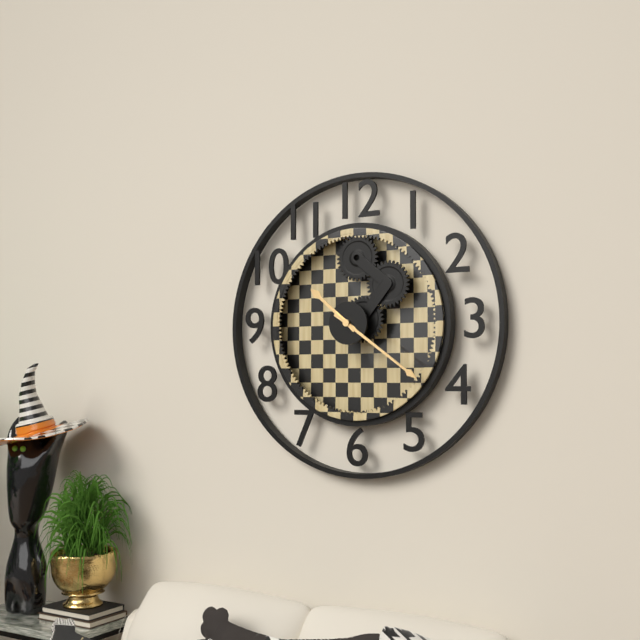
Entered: 10.21
